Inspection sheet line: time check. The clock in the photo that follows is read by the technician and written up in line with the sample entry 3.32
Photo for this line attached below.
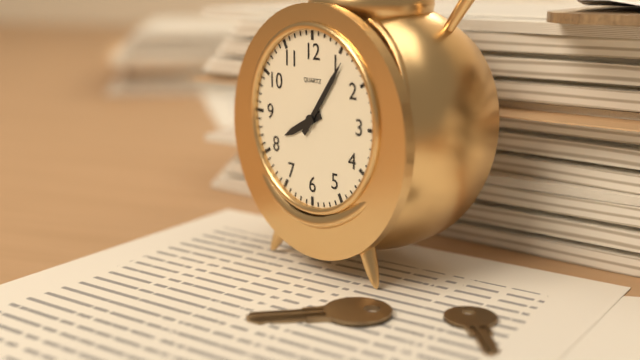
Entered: 8.06
